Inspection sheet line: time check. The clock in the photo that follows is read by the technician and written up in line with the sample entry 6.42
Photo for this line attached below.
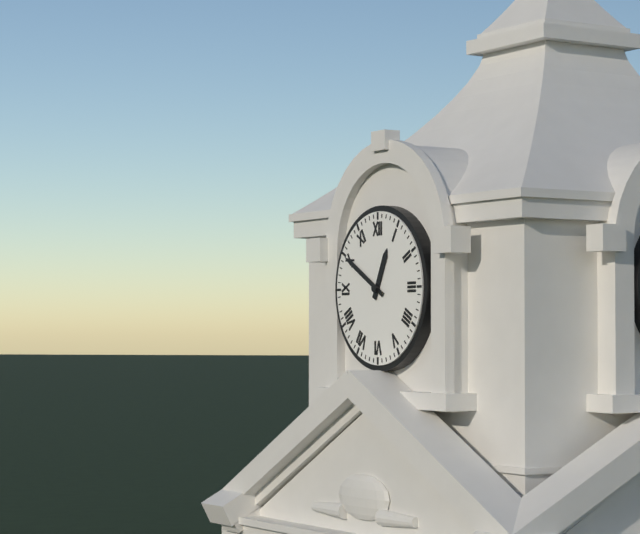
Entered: 12.50
